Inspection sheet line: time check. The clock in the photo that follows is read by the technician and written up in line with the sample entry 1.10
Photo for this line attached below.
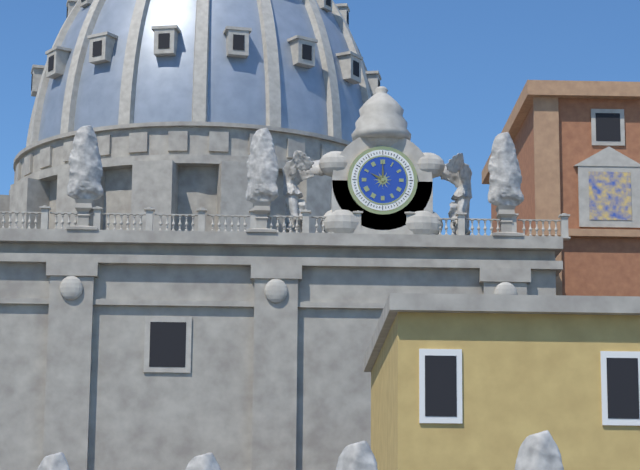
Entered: 10.00
